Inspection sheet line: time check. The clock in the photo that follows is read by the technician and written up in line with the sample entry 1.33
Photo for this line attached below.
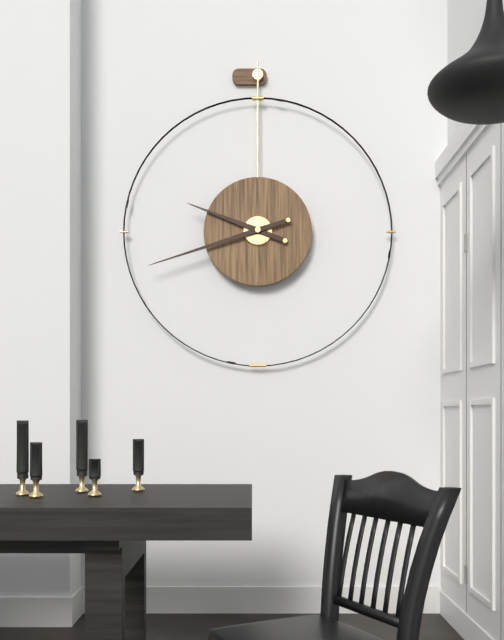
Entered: 9.42
